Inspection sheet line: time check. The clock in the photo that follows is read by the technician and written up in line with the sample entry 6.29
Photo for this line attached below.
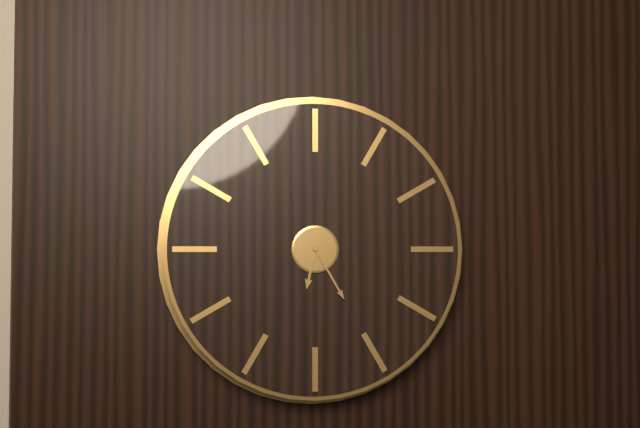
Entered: 6.25
